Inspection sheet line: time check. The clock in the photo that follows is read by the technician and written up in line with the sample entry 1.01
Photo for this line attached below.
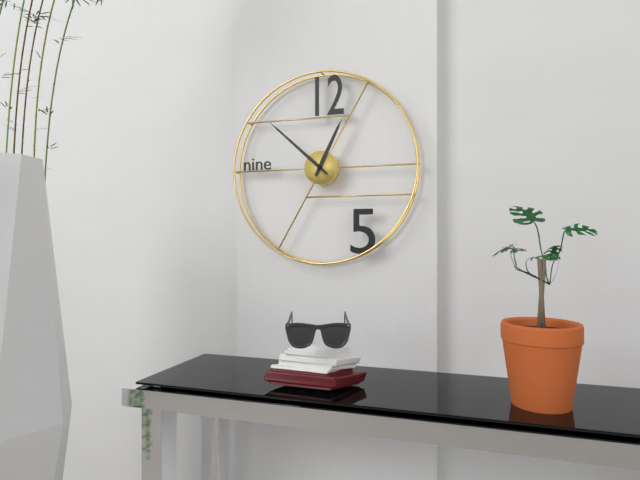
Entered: 12.52
